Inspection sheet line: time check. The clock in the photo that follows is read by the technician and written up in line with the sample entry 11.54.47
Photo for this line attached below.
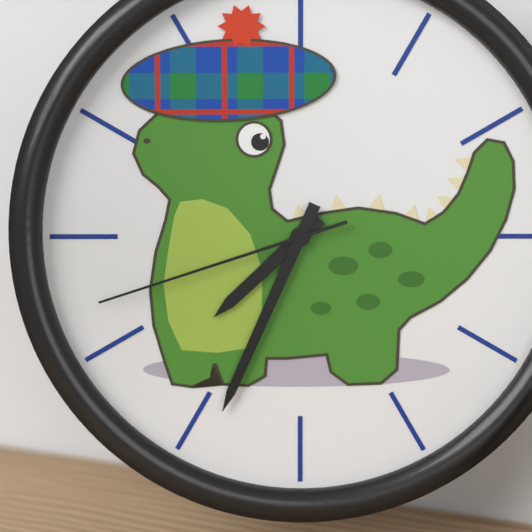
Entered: 7.34.42
